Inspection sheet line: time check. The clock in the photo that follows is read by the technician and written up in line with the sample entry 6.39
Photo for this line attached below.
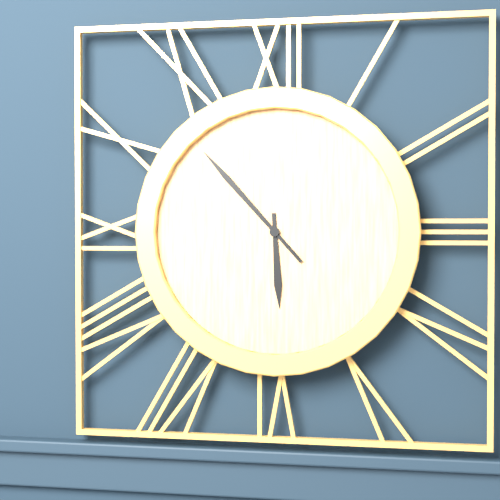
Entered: 5.53
